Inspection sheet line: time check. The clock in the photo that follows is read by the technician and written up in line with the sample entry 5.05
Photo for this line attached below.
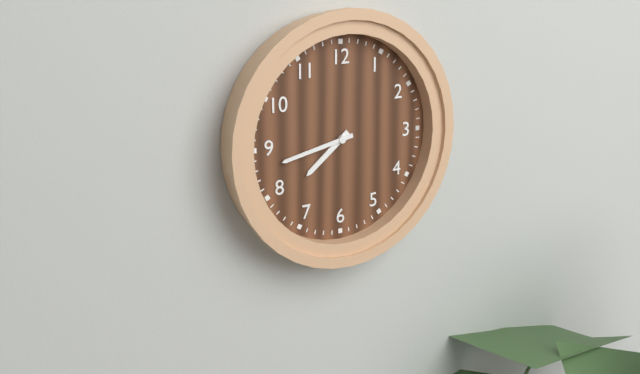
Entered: 7.43
